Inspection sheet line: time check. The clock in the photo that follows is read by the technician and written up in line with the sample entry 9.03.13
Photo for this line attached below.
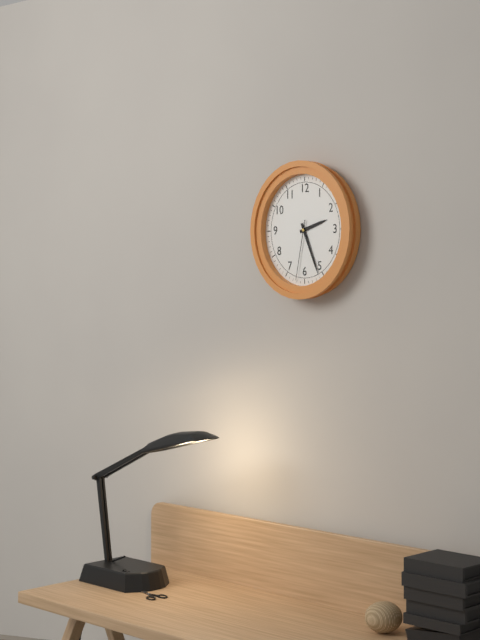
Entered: 2.26.32
